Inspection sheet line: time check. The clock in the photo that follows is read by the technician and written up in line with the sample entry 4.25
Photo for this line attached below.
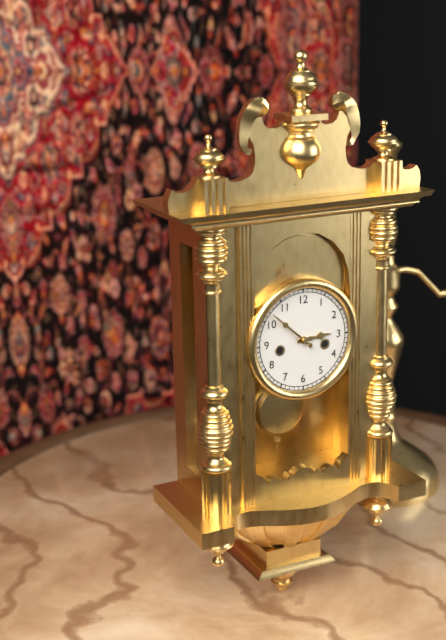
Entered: 2.52
